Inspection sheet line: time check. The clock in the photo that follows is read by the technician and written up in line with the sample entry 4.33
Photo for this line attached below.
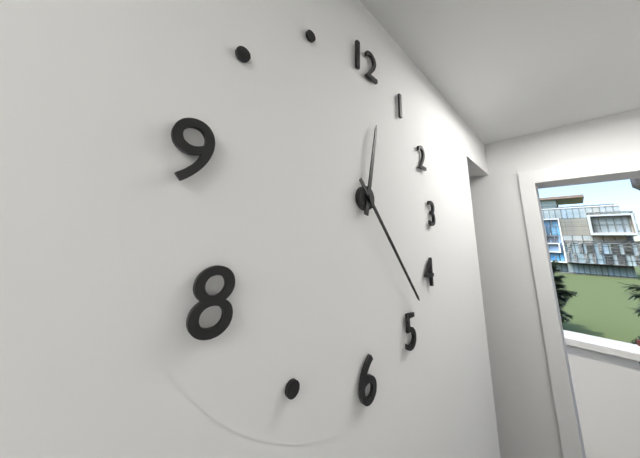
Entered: 12.23
